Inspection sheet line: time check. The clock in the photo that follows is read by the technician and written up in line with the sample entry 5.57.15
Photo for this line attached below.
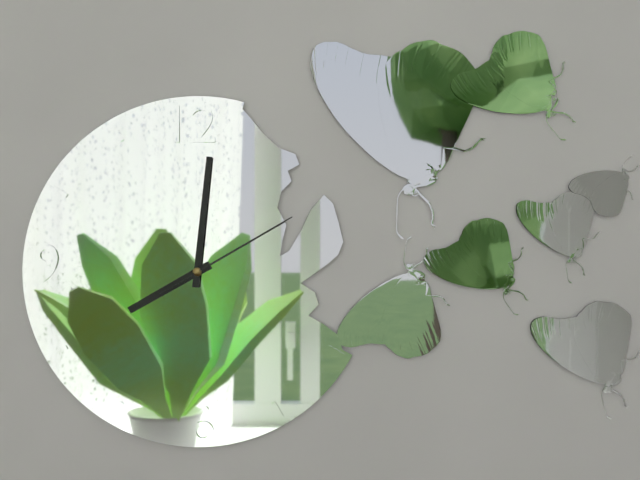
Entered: 8.01.10
